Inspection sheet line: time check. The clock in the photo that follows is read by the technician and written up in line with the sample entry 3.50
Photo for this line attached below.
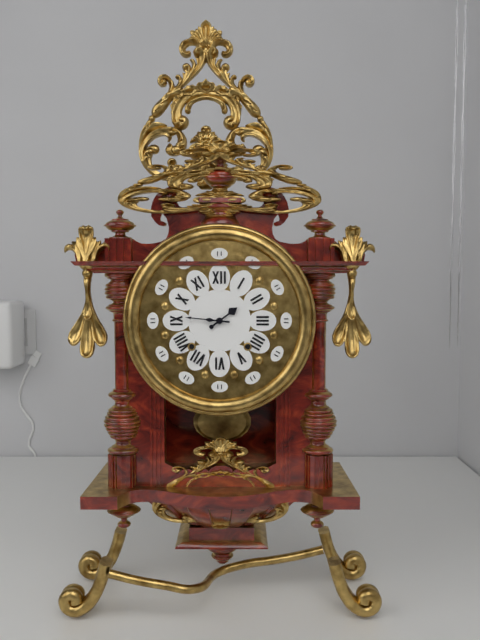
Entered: 1.46
